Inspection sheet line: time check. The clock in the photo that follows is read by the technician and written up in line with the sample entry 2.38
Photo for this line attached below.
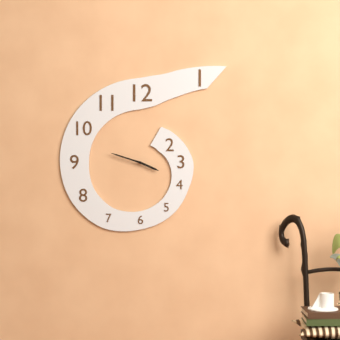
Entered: 3.48
